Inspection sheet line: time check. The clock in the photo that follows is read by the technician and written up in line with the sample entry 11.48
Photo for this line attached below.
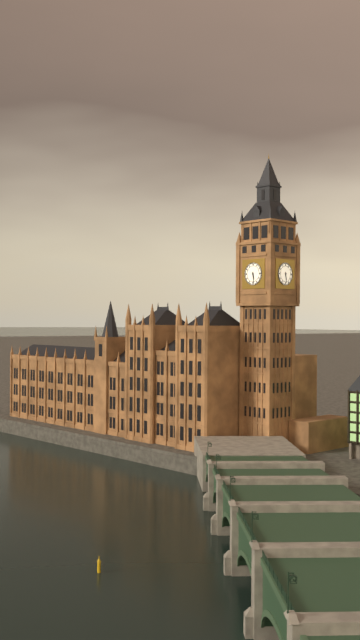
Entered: 5.29
